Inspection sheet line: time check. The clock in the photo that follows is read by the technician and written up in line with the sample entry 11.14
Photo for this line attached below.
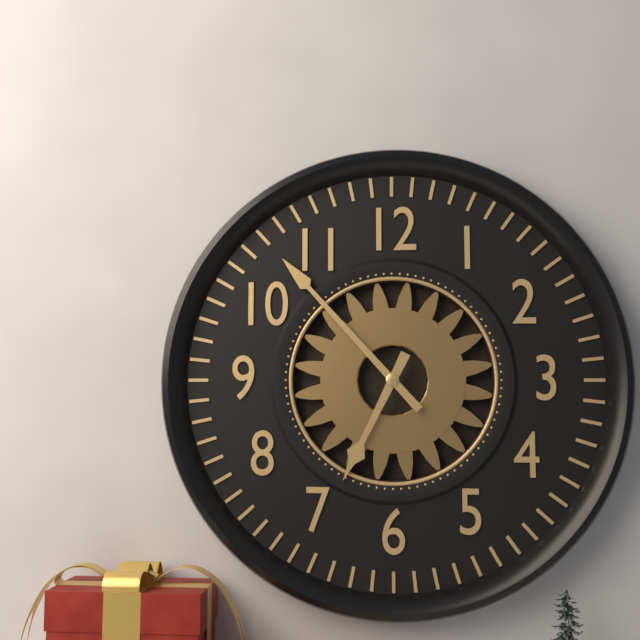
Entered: 6.53
